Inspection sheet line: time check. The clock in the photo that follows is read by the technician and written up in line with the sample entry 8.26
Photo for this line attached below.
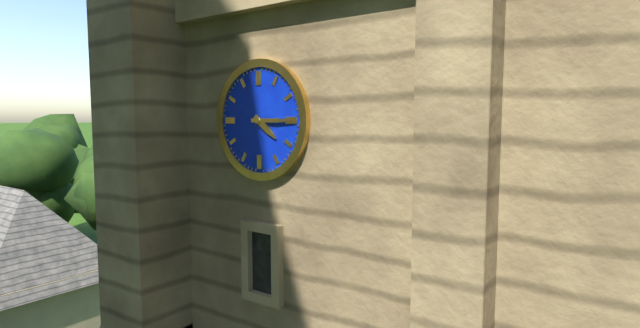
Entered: 4.15
